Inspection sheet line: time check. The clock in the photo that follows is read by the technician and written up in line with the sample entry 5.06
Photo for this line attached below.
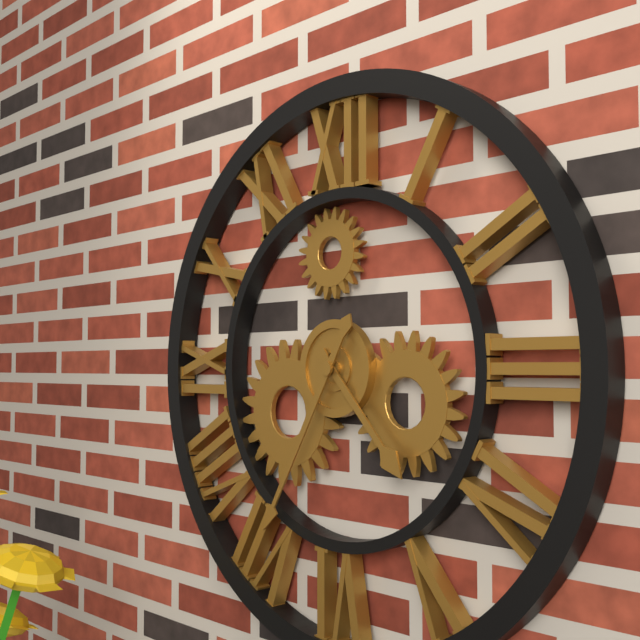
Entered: 4.35
